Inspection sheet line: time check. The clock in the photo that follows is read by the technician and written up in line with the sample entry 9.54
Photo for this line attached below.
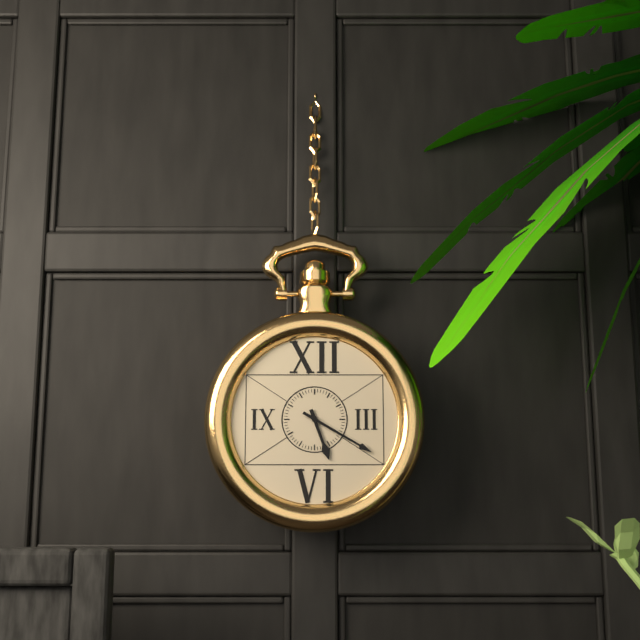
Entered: 5.20
